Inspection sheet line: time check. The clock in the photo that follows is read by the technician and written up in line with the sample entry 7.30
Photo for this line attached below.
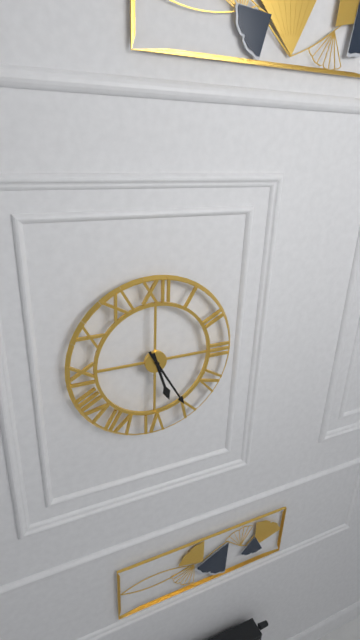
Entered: 5.25
